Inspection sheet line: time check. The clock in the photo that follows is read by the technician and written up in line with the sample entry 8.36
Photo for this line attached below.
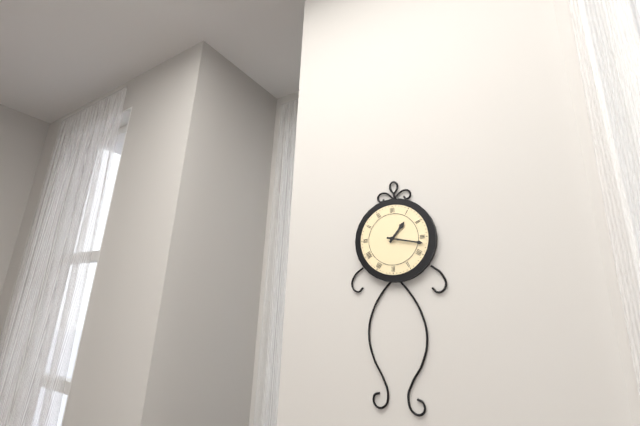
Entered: 1.17
